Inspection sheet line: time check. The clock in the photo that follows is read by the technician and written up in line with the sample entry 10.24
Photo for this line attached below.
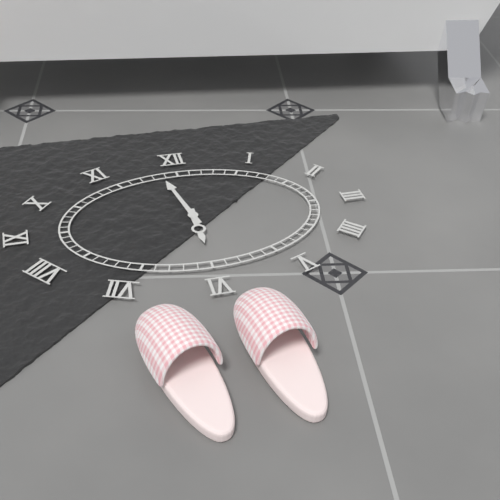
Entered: 5.58
